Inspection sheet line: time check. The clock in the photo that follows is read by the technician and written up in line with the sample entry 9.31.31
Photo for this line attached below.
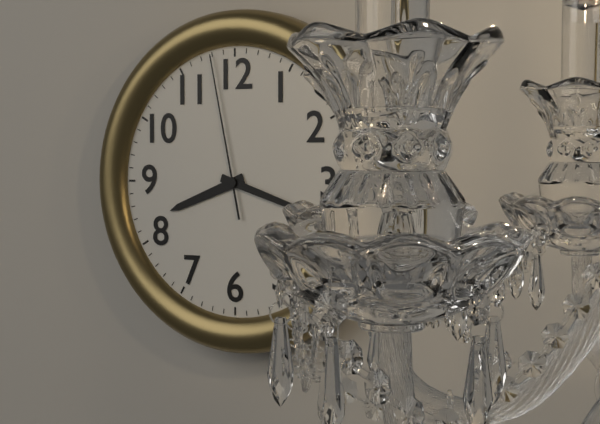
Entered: 8.18.58
